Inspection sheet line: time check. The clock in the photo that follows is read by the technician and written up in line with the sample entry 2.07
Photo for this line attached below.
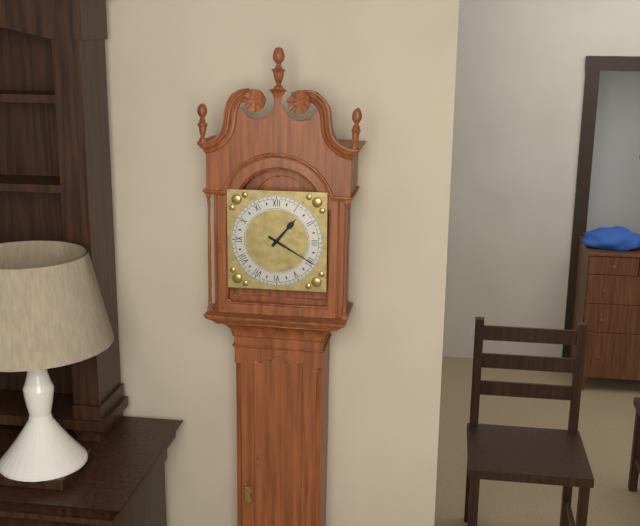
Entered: 1.20
